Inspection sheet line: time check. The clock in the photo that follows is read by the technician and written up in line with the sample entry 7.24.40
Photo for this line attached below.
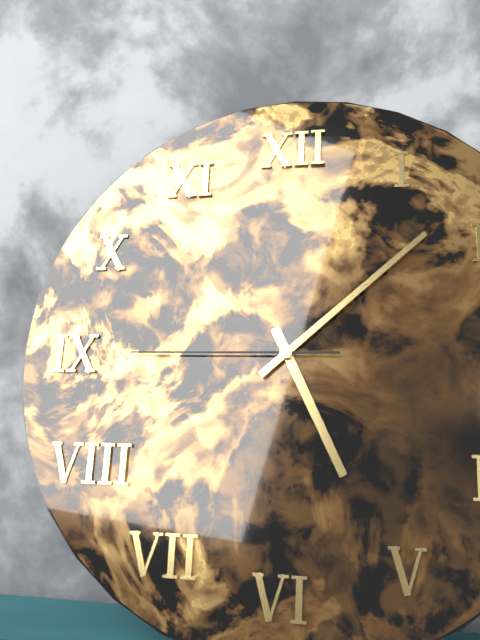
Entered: 5.08.45
